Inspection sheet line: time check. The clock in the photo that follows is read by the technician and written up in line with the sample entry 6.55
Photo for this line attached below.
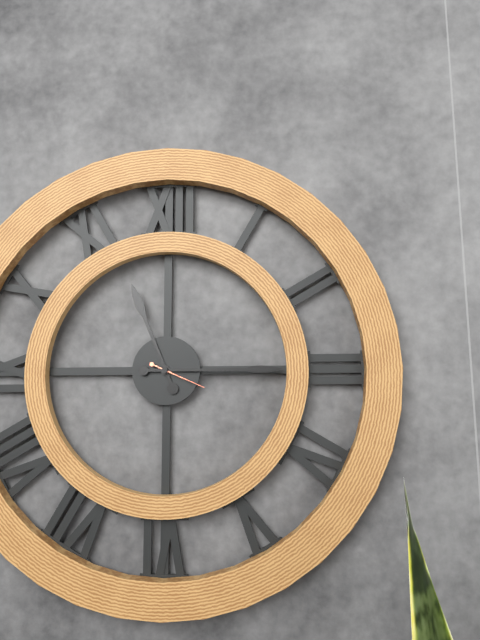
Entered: 11.15
